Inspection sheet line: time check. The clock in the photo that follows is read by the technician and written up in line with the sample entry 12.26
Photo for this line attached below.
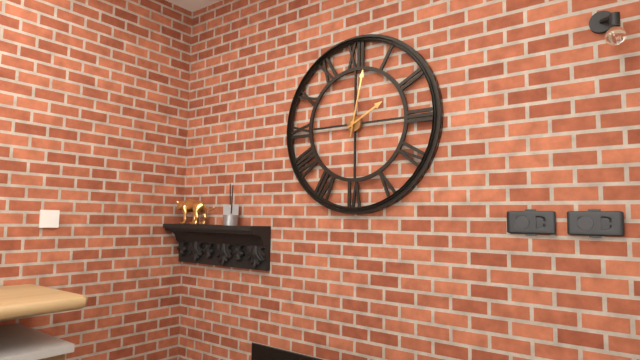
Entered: 2.02
